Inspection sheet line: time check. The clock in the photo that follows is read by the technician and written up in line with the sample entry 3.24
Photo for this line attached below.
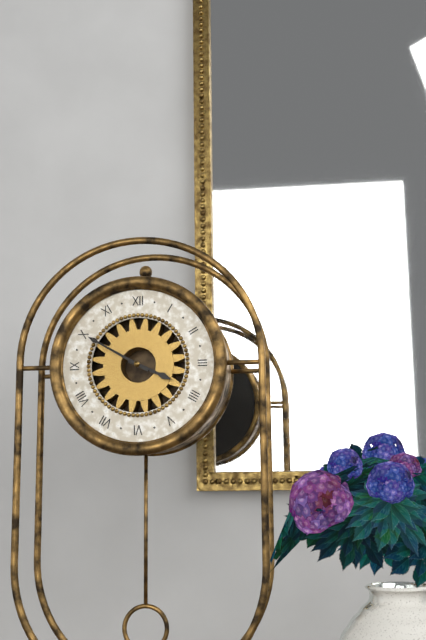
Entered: 3.50
